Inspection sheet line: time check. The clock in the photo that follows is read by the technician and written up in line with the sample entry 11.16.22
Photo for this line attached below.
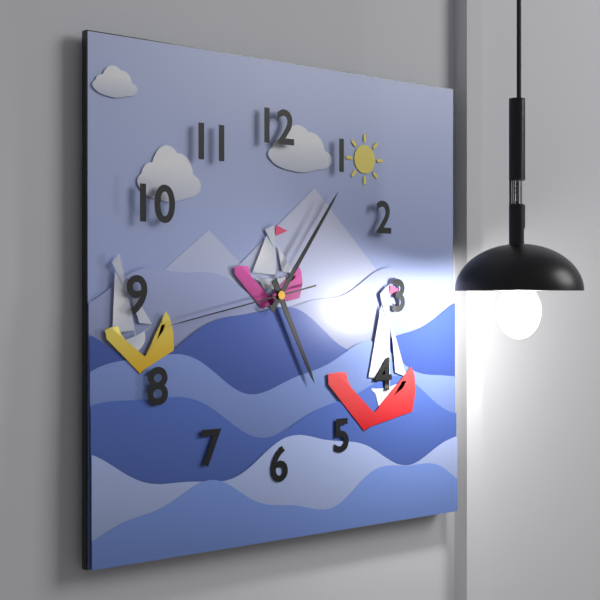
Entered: 5.06.43
